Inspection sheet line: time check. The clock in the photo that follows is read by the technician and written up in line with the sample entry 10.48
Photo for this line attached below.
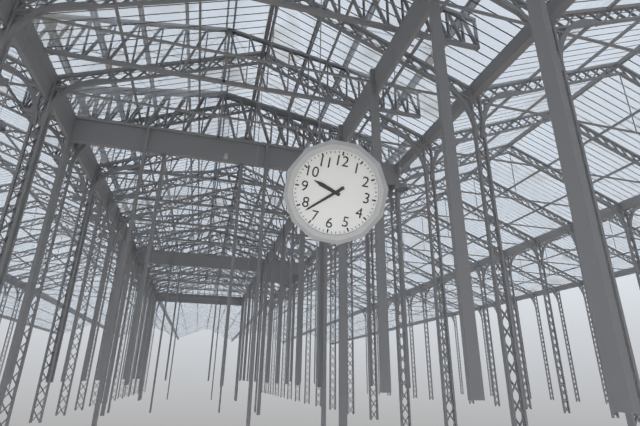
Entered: 9.38
